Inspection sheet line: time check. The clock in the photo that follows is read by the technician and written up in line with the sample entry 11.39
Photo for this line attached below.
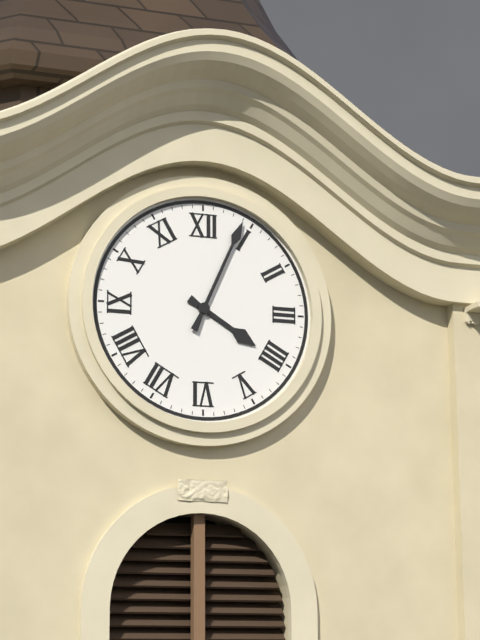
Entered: 4.04
